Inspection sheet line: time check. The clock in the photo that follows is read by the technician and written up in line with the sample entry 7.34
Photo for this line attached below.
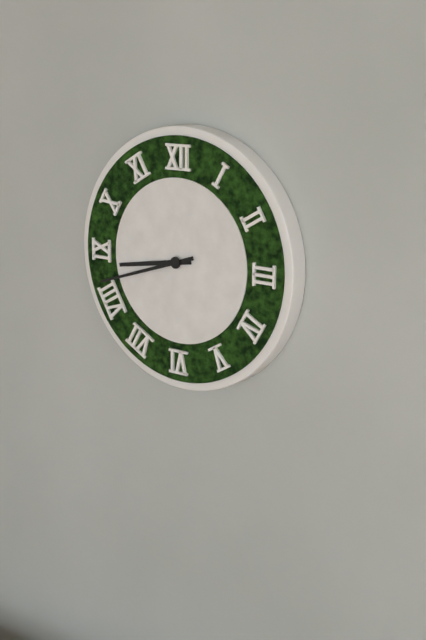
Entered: 8.42
